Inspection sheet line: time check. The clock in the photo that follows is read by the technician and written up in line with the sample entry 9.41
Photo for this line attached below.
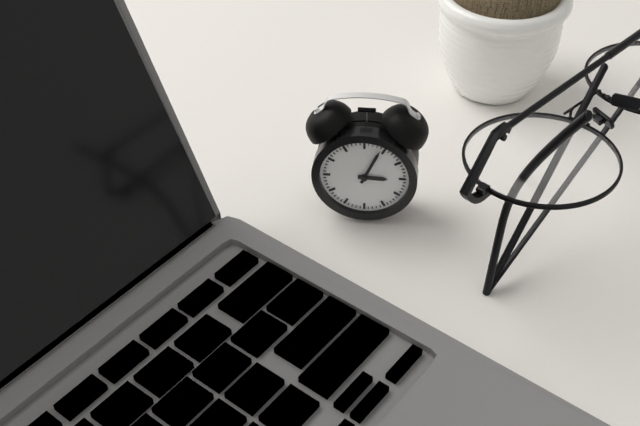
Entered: 3.04
